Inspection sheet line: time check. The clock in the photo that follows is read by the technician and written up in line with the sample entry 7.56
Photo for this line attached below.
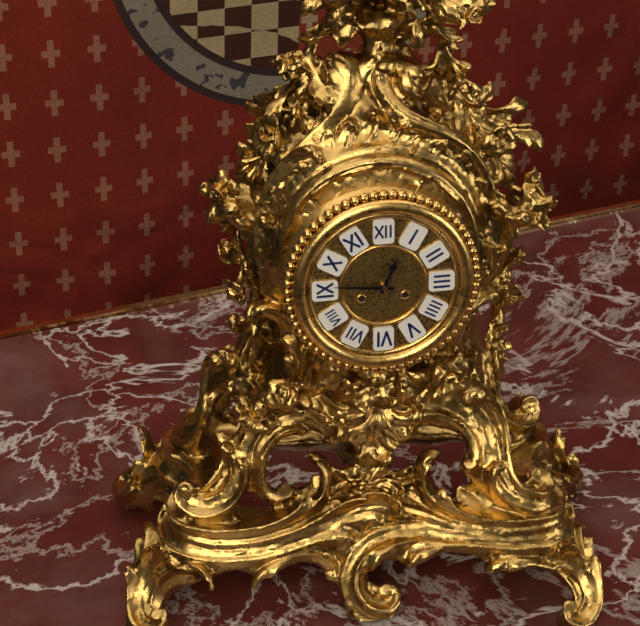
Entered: 12.46
